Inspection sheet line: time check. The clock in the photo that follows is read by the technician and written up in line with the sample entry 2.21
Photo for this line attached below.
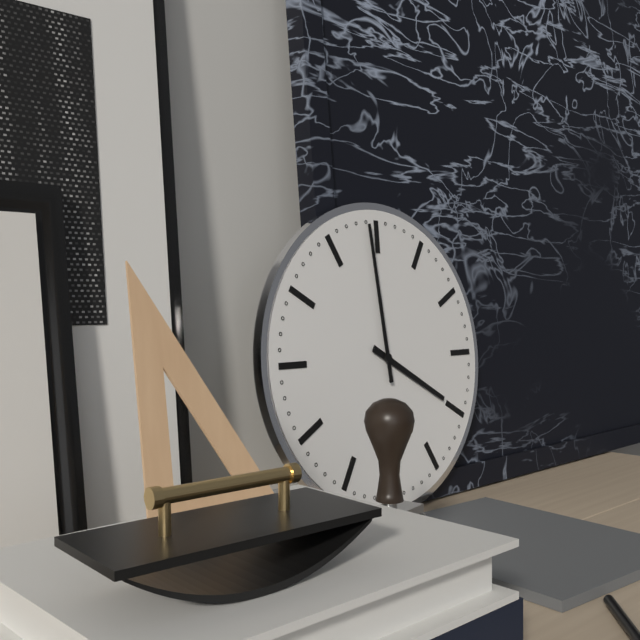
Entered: 3.59
